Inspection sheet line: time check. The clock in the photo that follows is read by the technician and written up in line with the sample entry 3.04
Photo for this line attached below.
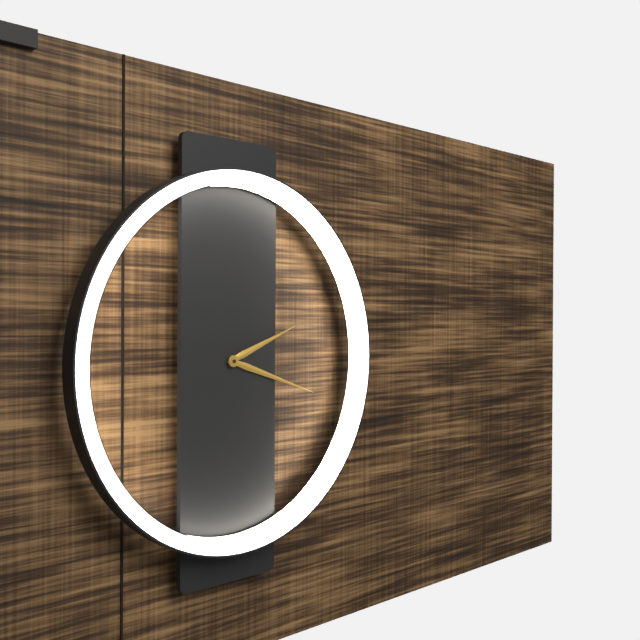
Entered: 2.18
